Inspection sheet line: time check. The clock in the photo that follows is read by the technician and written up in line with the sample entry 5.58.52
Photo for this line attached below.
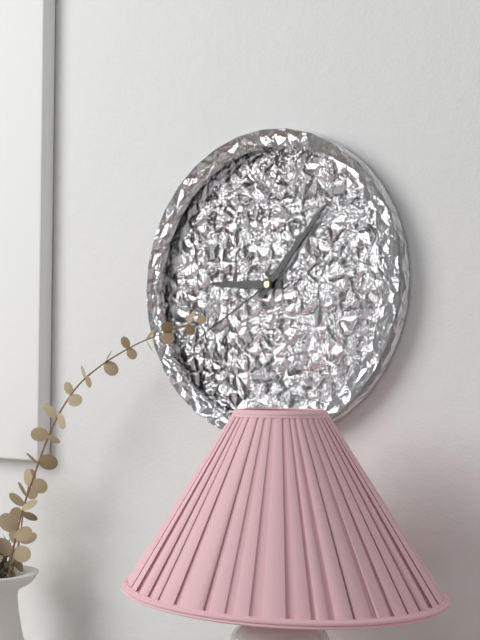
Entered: 9.07.40
